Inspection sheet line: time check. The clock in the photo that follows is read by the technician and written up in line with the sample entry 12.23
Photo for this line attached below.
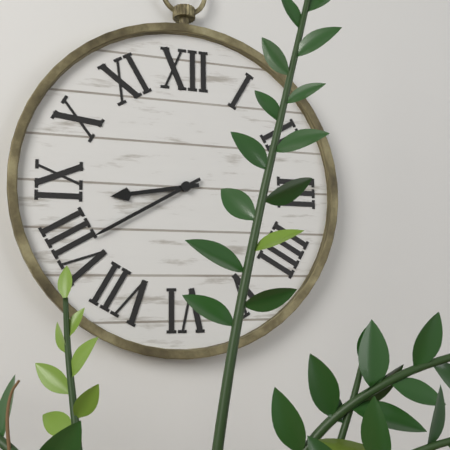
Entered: 8.40
